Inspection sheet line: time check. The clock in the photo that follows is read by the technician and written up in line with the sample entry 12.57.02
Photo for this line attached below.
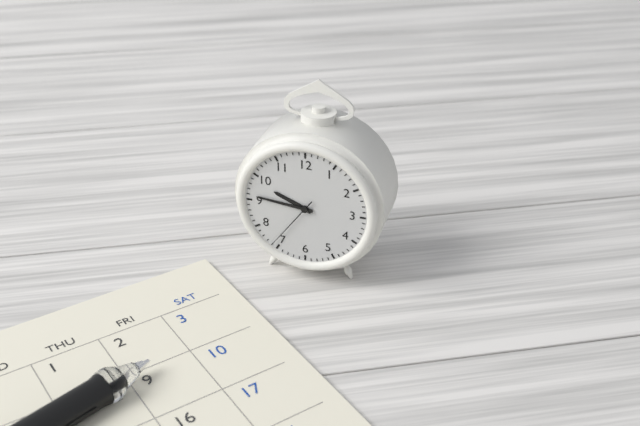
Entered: 9.46.36
